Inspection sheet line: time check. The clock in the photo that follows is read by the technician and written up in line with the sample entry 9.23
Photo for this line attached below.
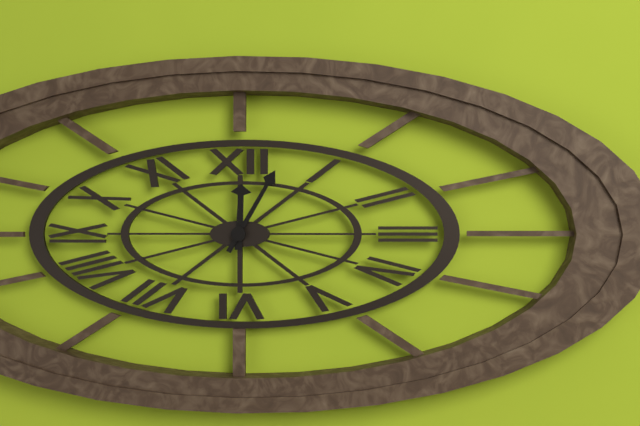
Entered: 12.05
